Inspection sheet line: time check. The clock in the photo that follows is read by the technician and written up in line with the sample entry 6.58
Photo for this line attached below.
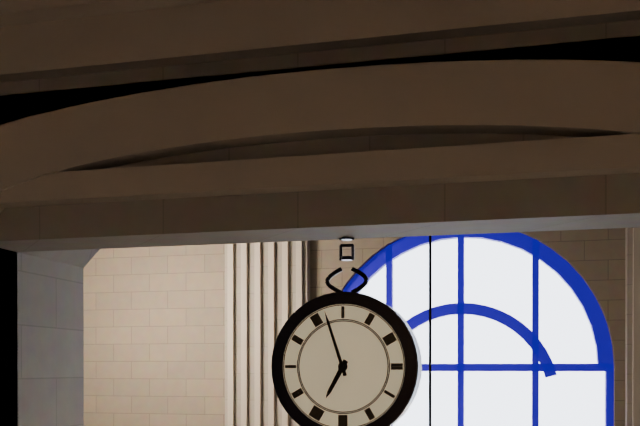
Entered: 6.57
